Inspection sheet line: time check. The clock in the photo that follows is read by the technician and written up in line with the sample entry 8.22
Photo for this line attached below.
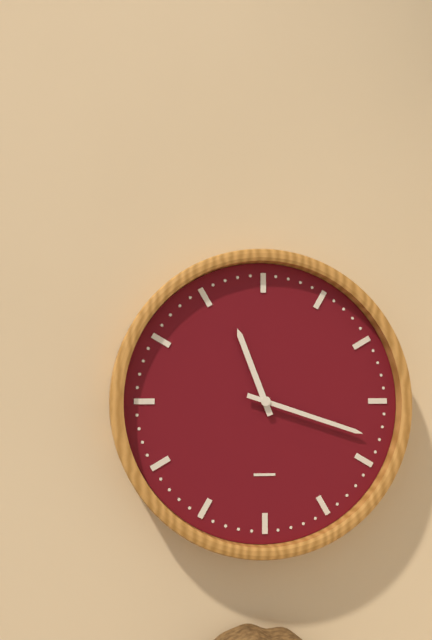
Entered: 11.18
